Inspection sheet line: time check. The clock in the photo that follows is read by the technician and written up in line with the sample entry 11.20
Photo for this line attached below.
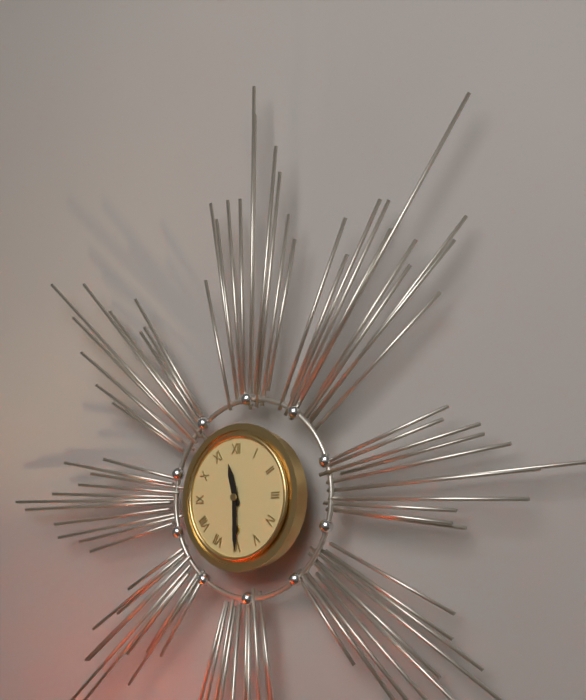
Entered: 11.30
